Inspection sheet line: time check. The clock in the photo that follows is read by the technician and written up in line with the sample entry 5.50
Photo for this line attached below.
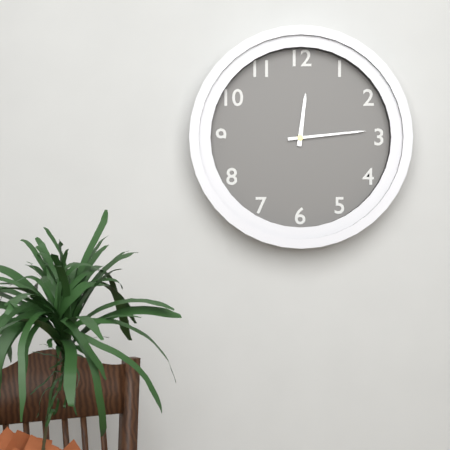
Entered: 12.14
